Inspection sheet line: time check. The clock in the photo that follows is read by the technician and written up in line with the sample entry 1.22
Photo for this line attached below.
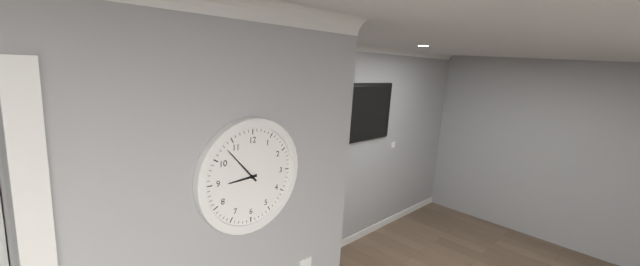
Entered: 8.53
